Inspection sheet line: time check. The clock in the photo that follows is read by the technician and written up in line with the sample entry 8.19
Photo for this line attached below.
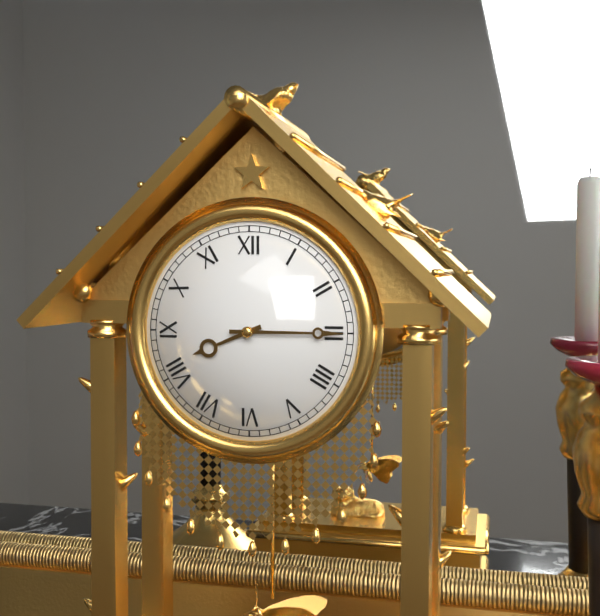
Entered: 8.15
